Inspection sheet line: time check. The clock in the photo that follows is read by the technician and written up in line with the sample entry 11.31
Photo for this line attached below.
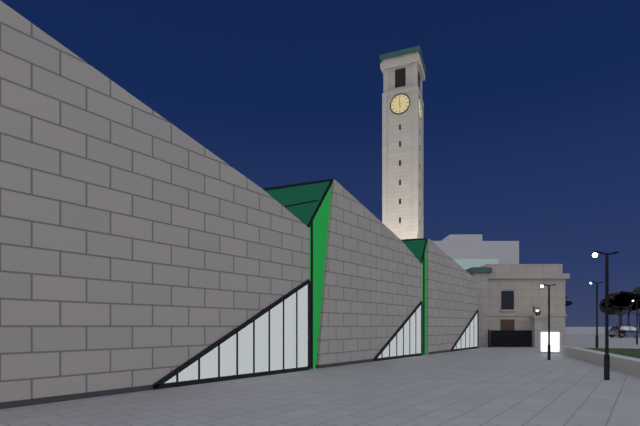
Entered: 5.59
